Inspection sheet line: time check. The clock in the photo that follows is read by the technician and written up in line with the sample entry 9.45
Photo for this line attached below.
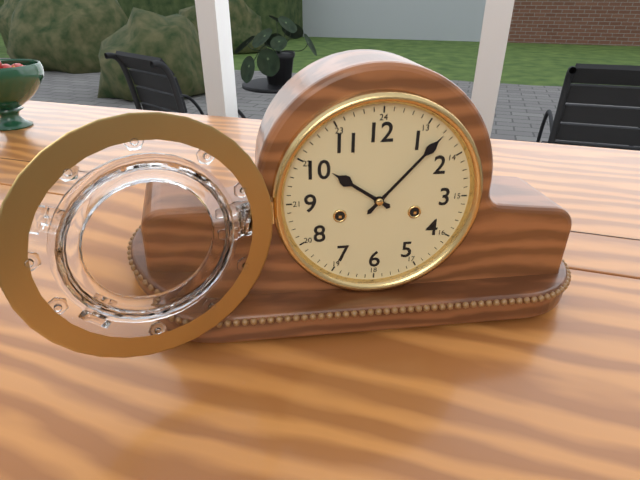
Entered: 10.07
